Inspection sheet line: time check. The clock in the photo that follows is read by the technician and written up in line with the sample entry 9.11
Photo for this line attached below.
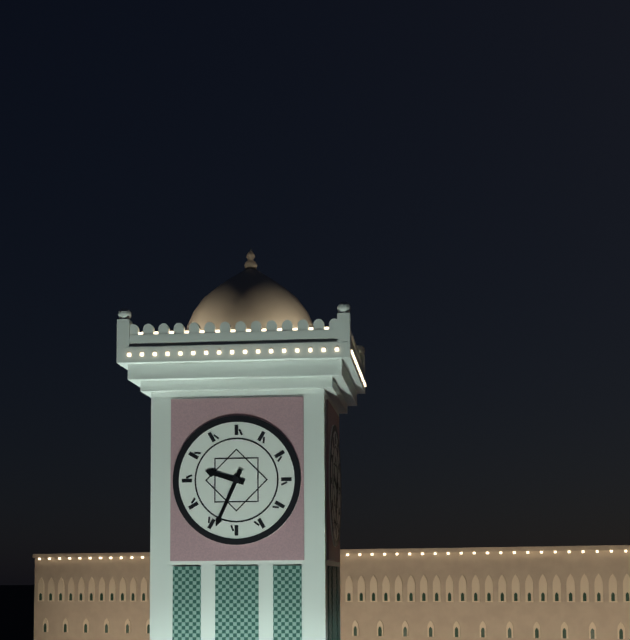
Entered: 9.34
